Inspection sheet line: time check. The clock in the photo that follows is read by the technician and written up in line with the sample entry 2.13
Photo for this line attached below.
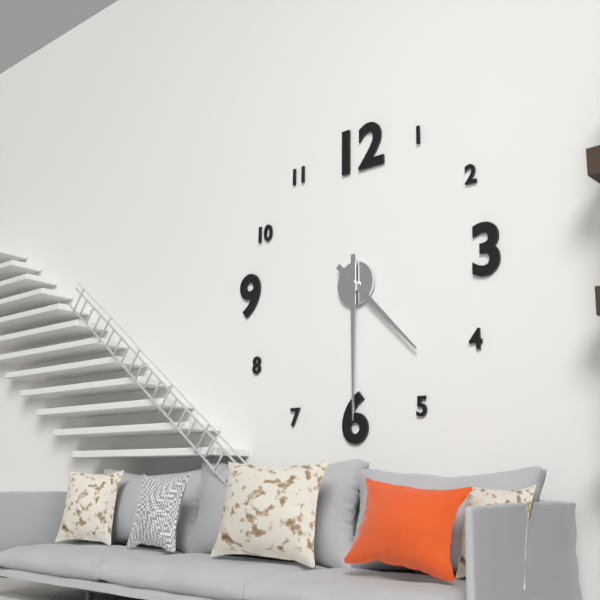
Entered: 4.30
